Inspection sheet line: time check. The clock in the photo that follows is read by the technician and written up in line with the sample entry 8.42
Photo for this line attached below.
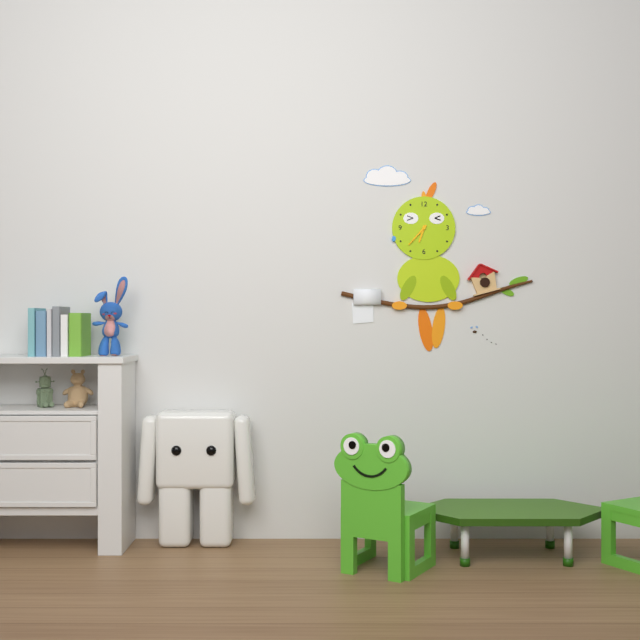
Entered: 6.37
